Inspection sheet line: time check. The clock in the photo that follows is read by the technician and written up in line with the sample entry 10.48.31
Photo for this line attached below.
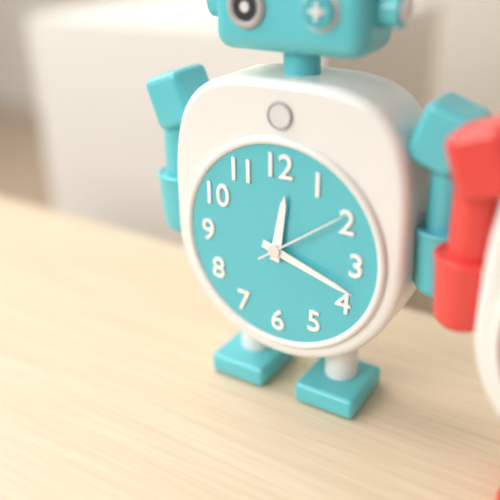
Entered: 12.18.09
